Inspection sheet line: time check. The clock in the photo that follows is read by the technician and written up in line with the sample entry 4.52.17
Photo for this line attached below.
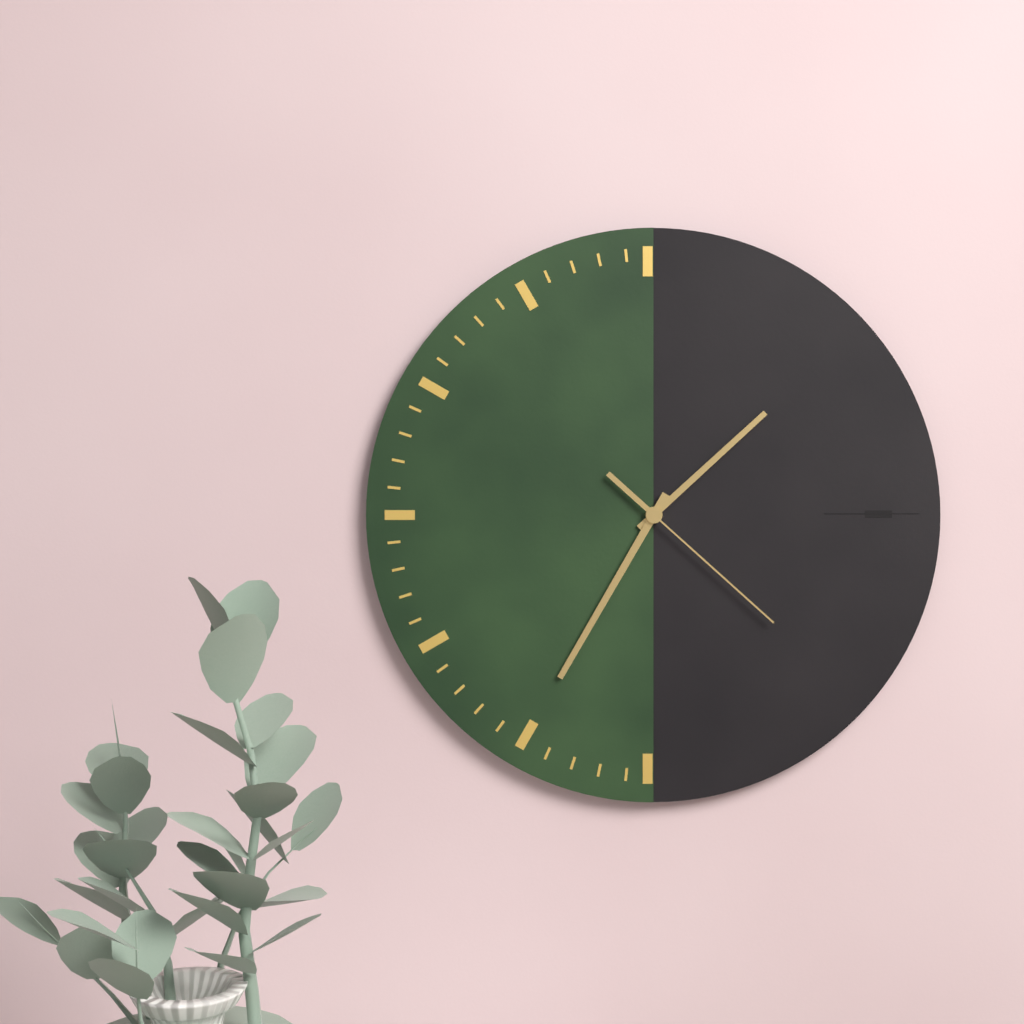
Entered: 1.35.22
